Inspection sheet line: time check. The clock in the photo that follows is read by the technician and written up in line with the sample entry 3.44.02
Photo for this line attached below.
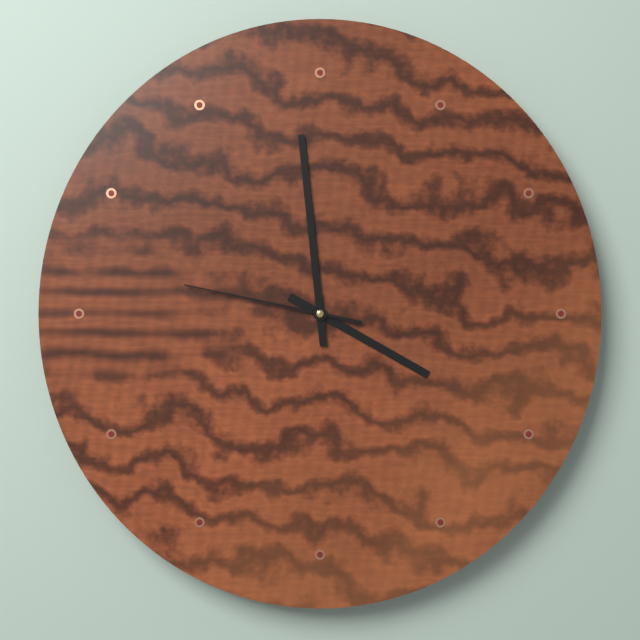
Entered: 3.59.47
